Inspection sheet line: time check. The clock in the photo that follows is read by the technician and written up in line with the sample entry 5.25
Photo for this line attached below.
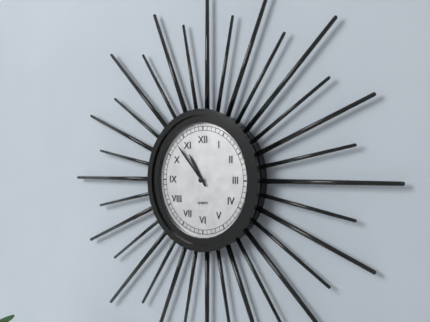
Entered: 10.53
